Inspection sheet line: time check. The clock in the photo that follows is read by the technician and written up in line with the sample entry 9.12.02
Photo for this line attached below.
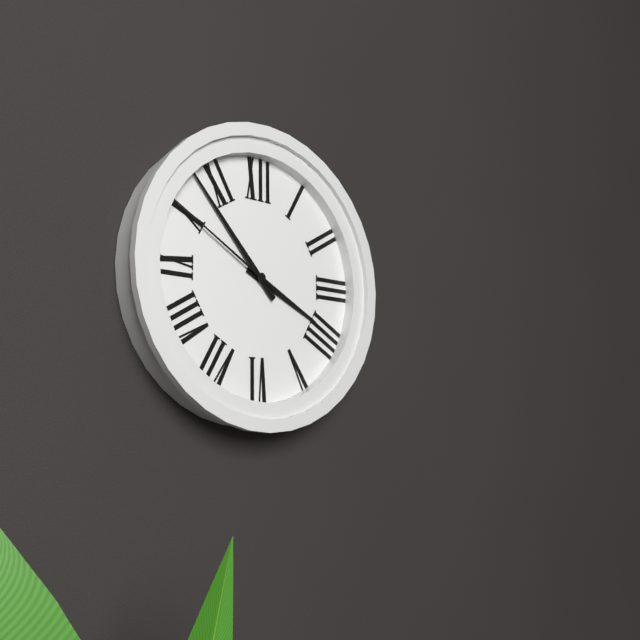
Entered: 3.53.50
